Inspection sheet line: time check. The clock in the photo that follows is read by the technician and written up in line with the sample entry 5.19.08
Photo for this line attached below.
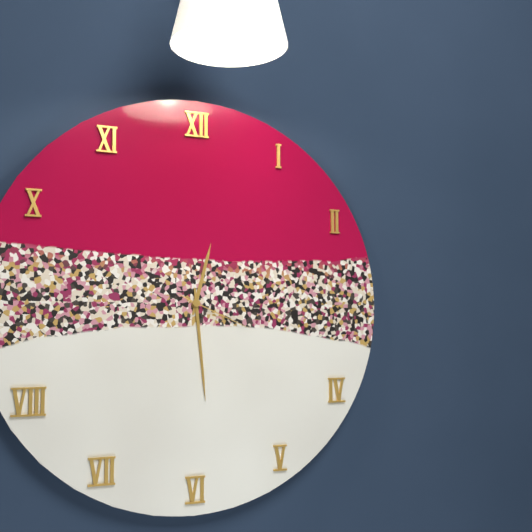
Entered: 12.29.19
